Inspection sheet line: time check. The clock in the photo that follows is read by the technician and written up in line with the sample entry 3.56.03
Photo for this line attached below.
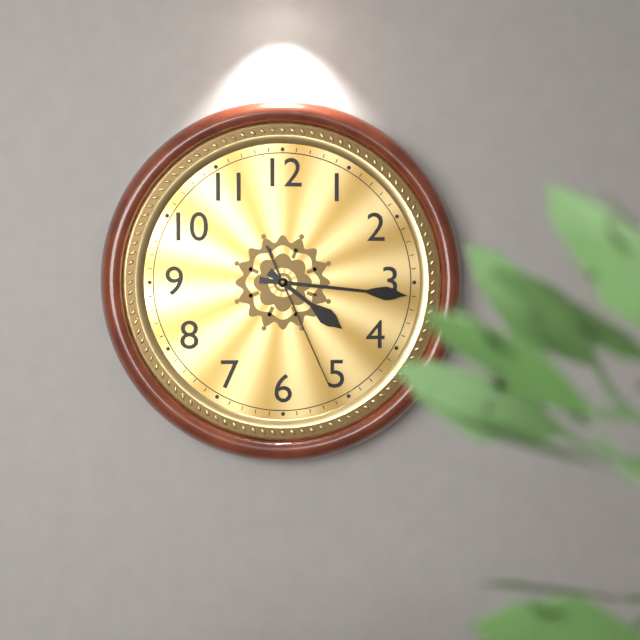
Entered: 4.16.26
